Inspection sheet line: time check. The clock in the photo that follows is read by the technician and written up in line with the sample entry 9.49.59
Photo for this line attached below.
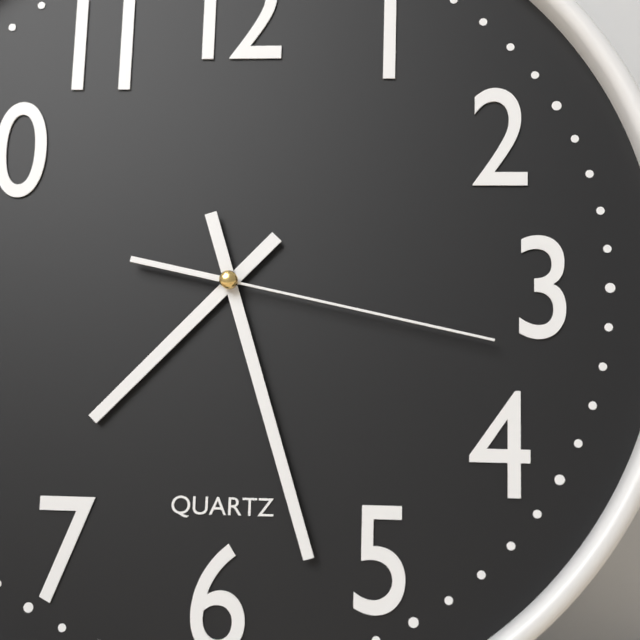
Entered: 7.27.17
